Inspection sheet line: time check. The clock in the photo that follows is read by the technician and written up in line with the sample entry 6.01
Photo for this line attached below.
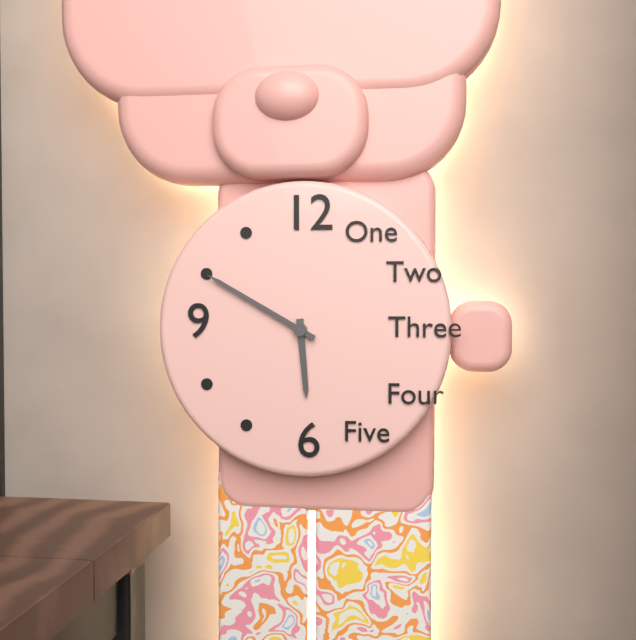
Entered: 5.50
